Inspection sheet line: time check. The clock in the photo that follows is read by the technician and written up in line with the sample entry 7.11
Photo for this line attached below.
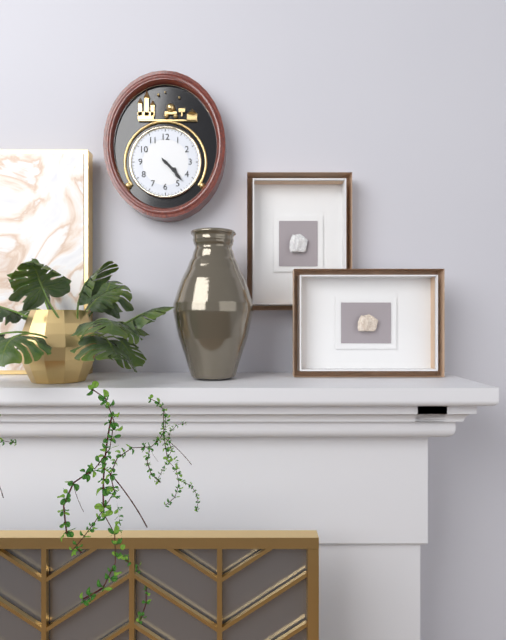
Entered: 4.23
